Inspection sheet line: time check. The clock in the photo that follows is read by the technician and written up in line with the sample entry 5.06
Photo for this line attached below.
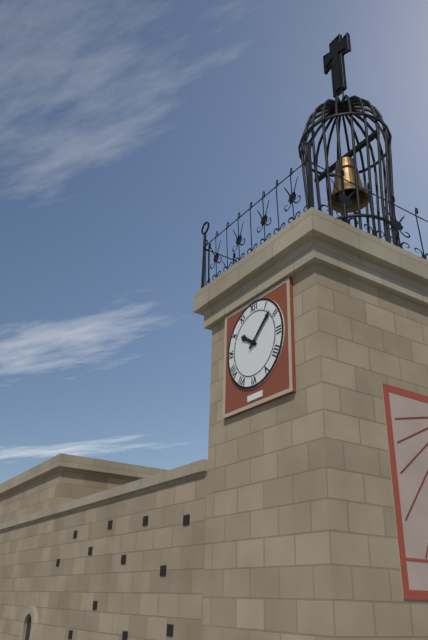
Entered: 10.08
